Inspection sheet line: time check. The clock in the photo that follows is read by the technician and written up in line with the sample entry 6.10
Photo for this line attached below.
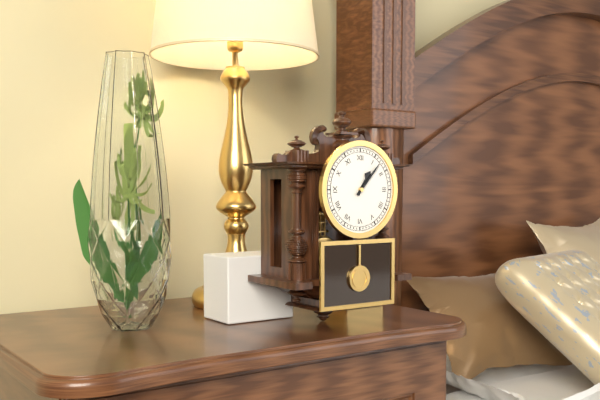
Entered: 1.07
